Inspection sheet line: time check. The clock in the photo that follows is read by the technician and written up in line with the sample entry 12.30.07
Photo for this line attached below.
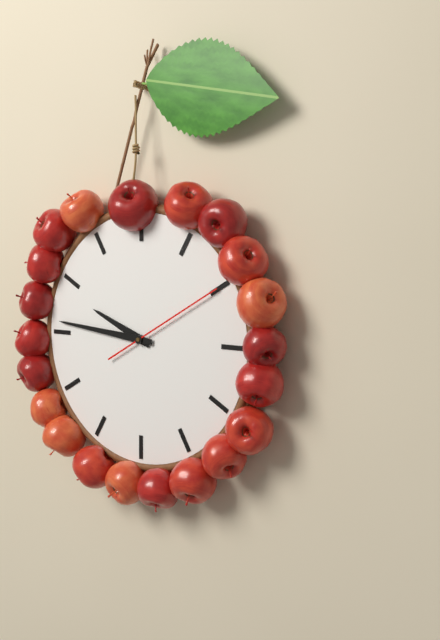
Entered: 9.46.10
